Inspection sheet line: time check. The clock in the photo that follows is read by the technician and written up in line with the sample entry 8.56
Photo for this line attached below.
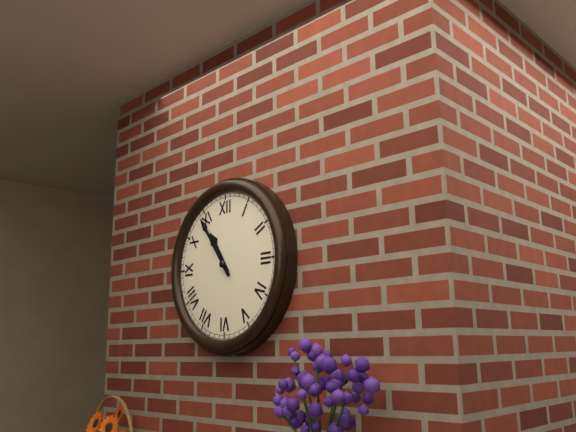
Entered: 10.54
